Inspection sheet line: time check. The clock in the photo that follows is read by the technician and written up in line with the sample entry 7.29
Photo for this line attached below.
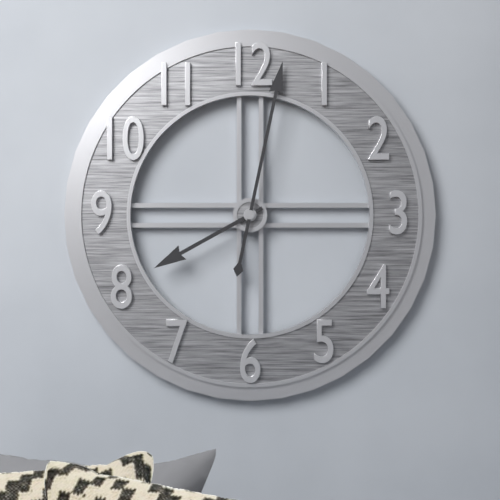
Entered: 8.02
